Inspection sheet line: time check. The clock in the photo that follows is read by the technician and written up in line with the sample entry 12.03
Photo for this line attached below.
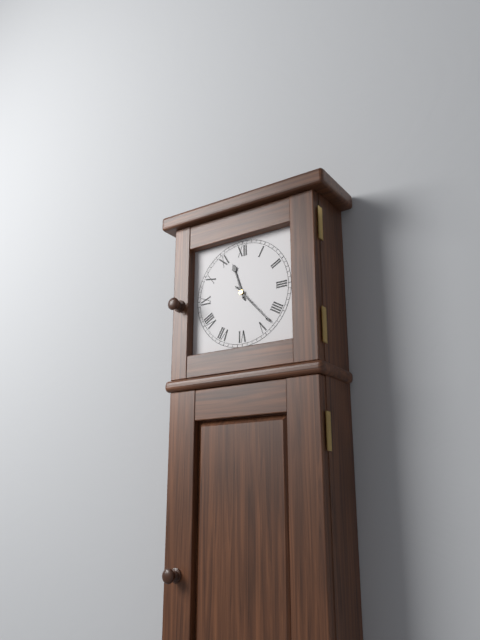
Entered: 11.23
